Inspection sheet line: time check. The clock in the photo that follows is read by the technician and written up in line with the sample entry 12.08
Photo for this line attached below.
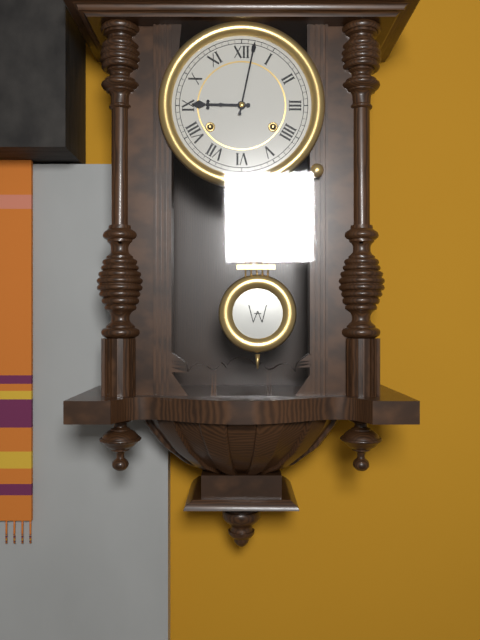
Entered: 9.02
